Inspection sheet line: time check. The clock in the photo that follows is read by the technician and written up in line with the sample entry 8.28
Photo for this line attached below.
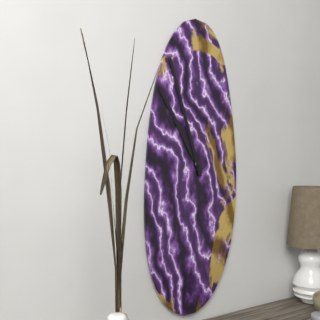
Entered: 10.57
